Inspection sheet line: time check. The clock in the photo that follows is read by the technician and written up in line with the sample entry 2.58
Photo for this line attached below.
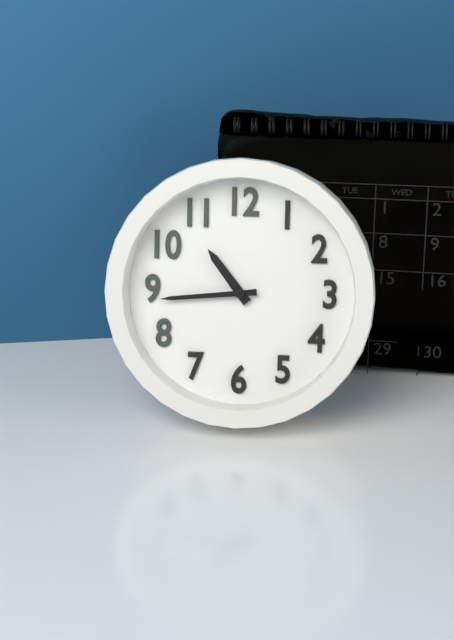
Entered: 10.44
